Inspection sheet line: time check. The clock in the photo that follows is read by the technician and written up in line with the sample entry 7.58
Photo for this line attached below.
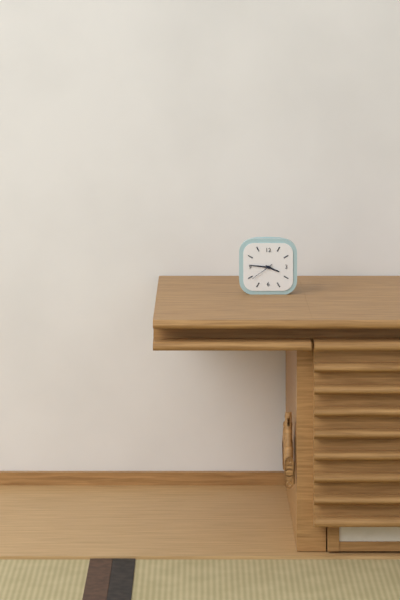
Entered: 3.46
